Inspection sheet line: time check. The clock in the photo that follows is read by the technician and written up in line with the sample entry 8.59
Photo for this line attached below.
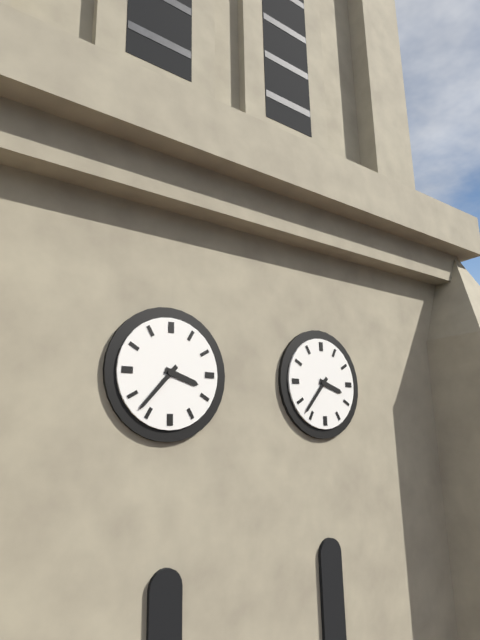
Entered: 3.37
